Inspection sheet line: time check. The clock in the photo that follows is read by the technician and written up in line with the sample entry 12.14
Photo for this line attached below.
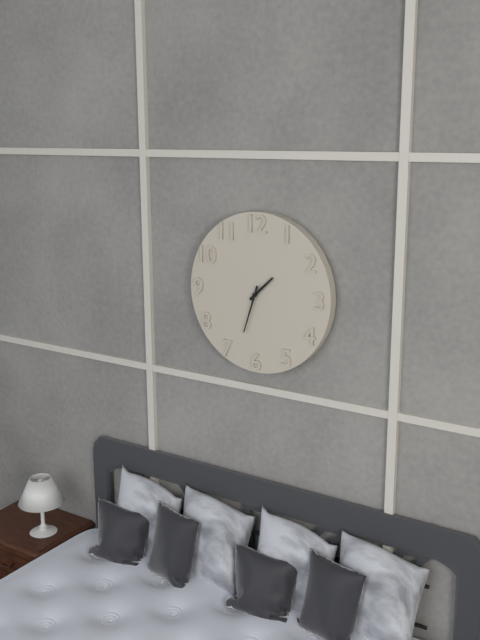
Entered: 1.33
